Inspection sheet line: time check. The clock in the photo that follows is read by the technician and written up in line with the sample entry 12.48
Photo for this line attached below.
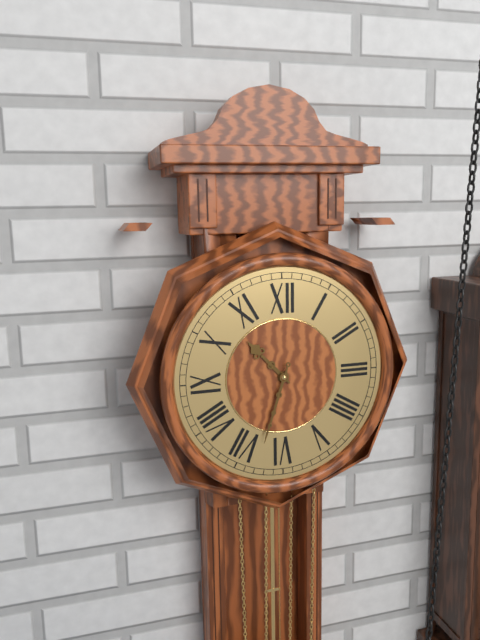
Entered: 10.33
